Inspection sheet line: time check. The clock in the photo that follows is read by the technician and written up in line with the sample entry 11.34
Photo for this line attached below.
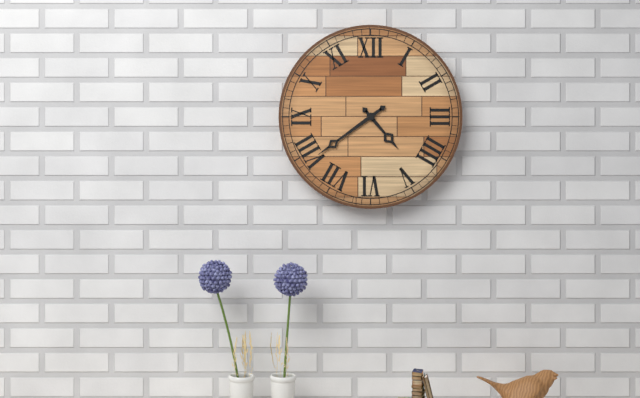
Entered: 4.39
